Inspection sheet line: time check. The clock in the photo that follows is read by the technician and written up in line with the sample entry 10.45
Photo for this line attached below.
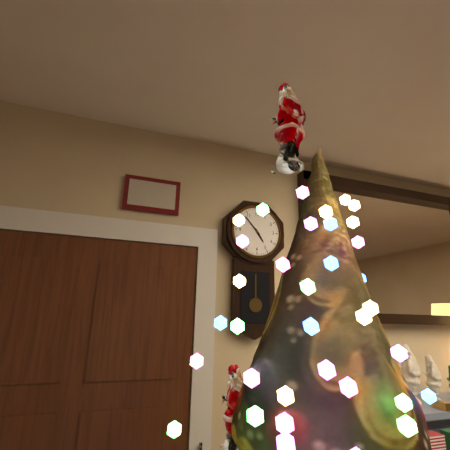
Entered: 4.53
